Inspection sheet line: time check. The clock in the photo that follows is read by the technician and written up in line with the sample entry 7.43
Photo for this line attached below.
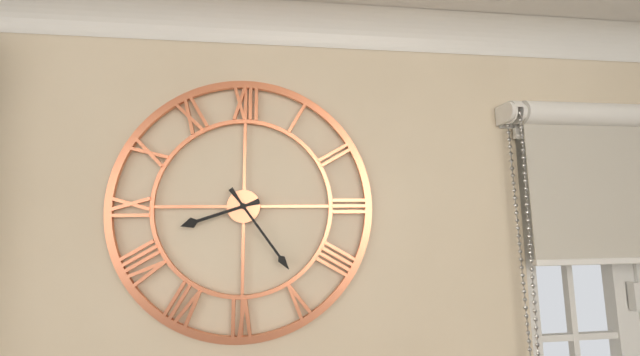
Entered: 8.24
